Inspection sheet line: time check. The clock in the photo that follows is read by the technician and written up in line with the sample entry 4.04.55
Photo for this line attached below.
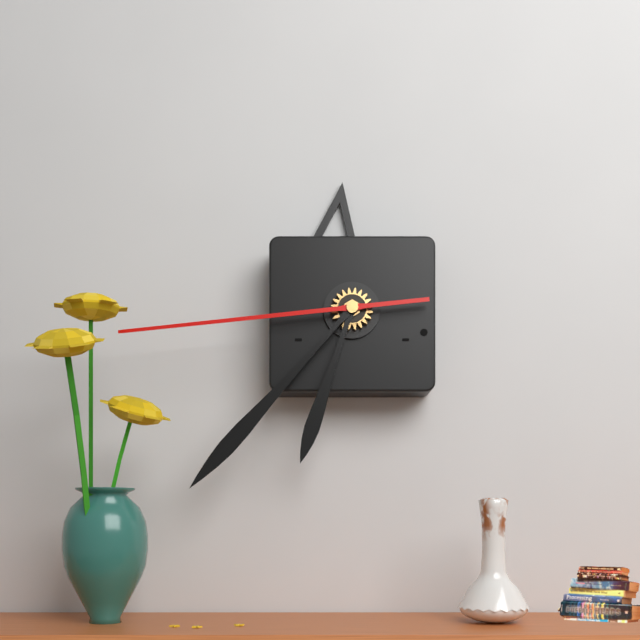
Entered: 6.37.44
